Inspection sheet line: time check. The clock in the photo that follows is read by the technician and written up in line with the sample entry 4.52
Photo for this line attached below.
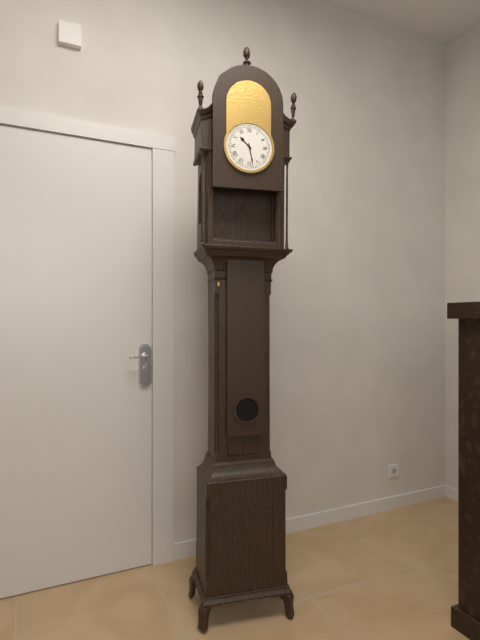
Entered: 10.28
